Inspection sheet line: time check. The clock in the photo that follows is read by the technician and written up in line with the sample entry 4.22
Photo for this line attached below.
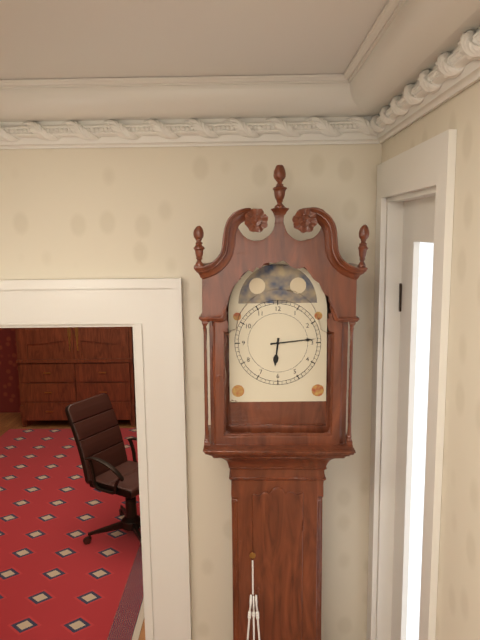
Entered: 6.14
